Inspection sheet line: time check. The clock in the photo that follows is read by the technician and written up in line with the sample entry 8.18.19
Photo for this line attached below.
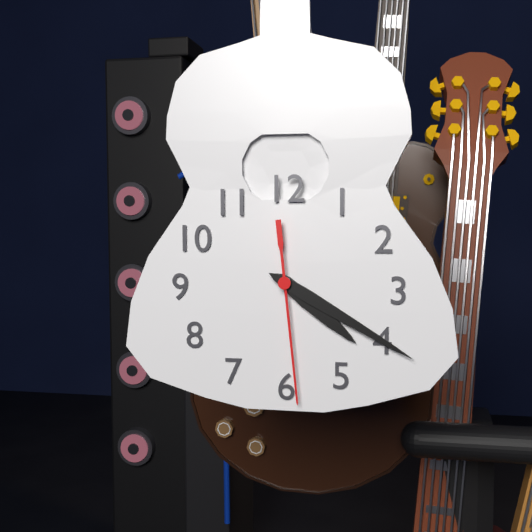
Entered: 4.20.29
